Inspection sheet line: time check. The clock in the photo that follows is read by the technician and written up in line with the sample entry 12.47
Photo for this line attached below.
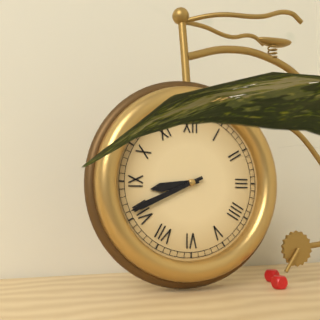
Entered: 8.41
